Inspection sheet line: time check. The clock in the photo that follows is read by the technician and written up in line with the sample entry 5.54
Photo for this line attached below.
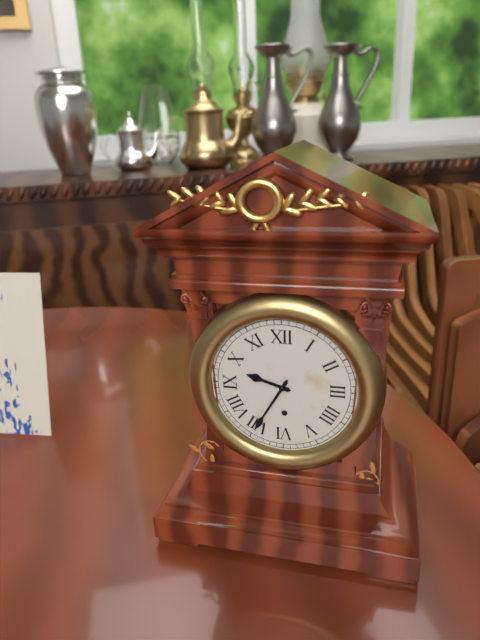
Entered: 9.35
